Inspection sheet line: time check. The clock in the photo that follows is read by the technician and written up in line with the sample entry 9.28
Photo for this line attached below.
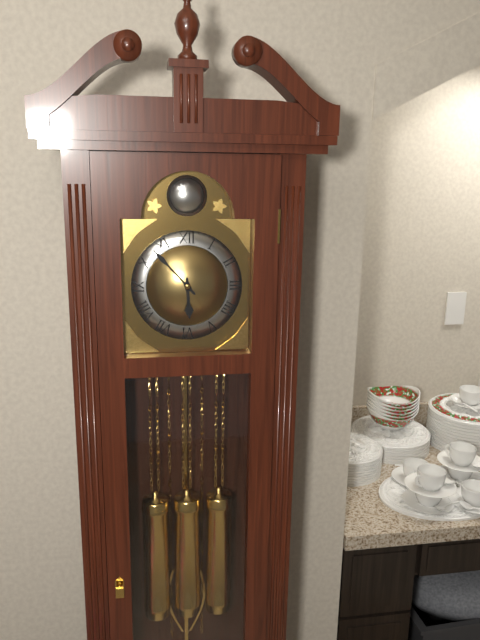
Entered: 5.53
